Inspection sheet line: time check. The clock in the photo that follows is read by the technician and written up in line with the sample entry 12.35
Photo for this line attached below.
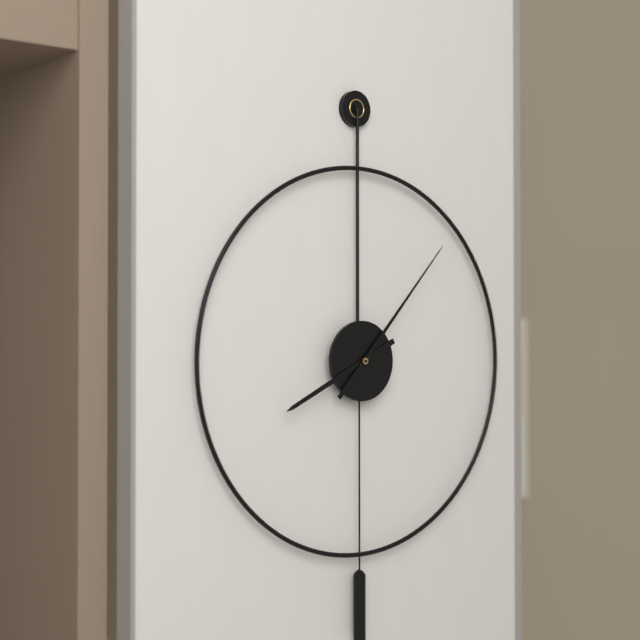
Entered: 8.07
